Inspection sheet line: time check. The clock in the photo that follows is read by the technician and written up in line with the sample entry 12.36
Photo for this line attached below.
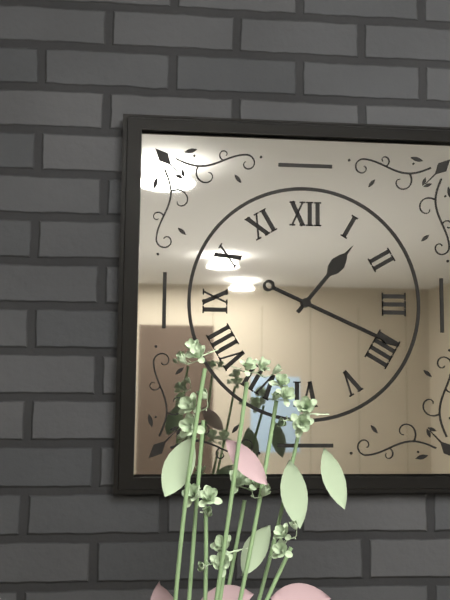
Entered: 1.19
